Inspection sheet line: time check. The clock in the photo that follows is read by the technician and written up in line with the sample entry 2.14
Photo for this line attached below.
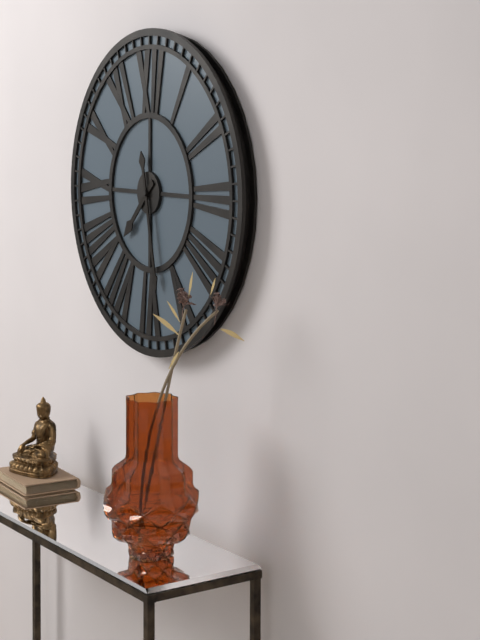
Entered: 7.28
